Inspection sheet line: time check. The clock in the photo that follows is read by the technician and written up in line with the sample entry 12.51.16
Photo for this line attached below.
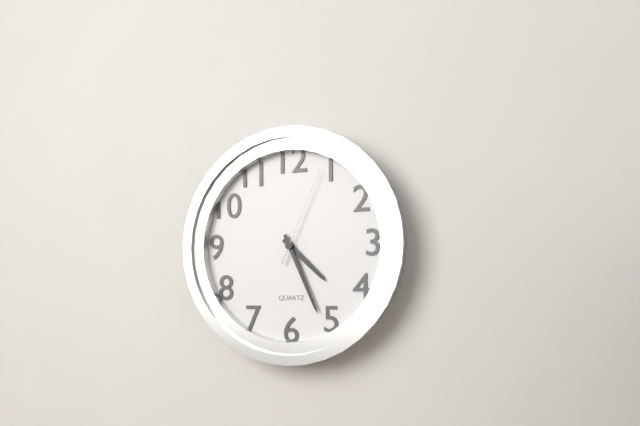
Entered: 4.26.04
